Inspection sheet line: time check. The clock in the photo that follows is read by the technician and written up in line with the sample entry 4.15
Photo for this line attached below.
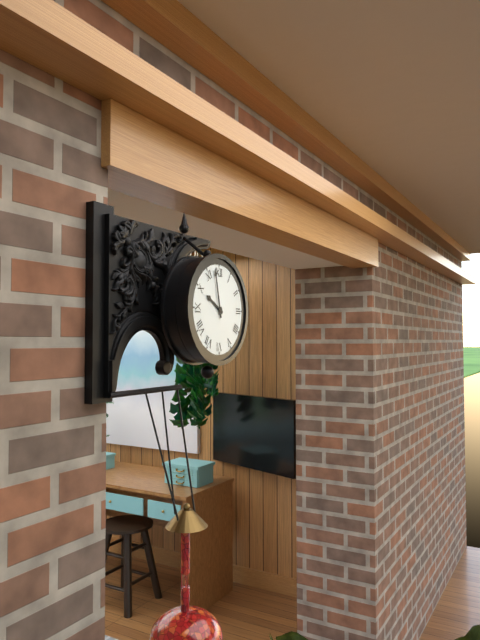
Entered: 9.58
